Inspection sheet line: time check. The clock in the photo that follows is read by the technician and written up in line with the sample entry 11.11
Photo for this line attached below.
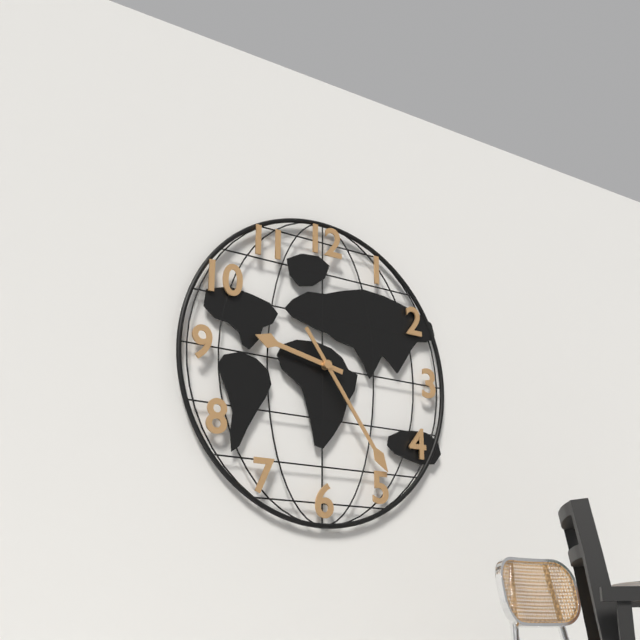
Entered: 9.24
